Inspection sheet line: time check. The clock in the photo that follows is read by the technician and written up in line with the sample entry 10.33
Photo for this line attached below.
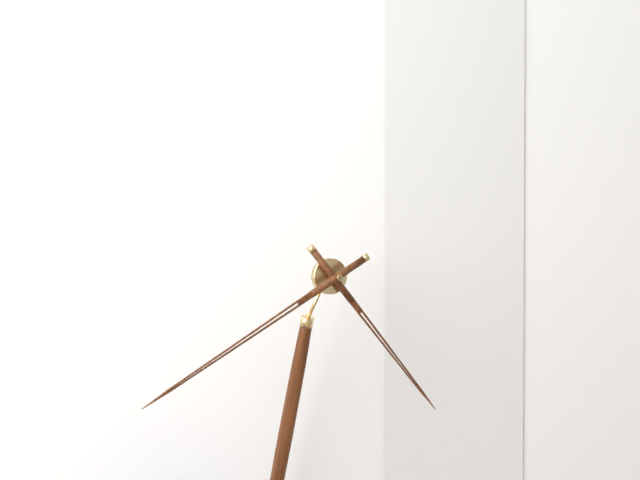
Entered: 4.40
